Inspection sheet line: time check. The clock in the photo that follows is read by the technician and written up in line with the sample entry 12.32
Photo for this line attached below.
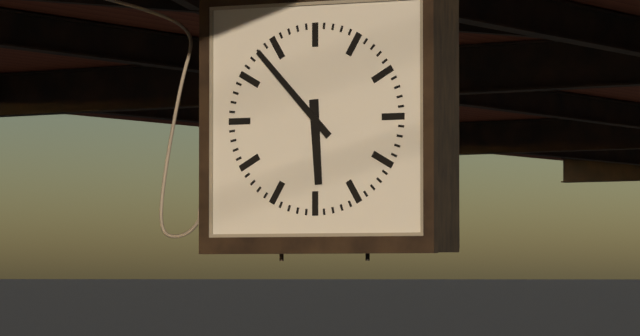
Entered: 5.53
